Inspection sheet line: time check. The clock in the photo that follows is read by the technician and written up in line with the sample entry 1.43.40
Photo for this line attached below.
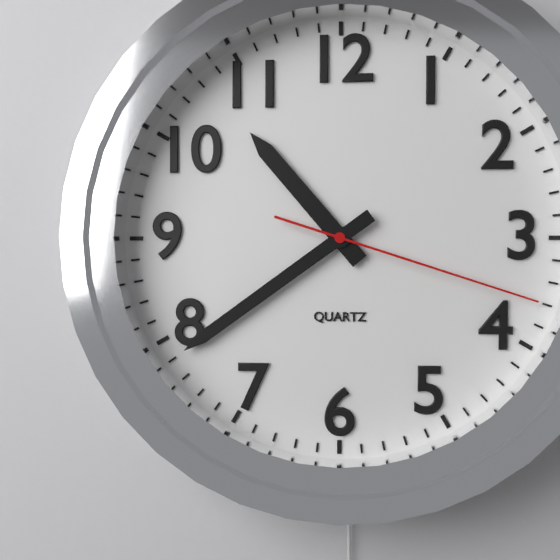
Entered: 10.39.18
